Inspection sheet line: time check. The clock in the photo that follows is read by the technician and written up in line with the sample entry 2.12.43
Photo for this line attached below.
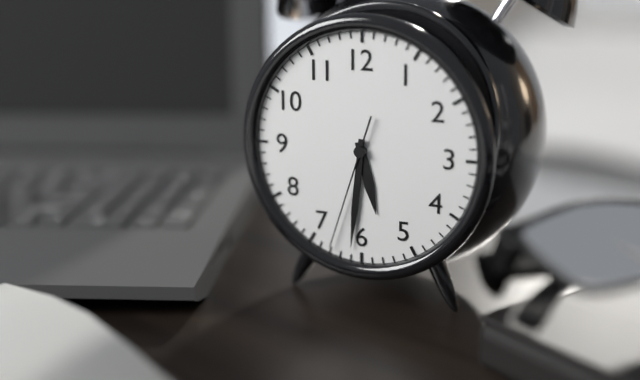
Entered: 5.31.33
